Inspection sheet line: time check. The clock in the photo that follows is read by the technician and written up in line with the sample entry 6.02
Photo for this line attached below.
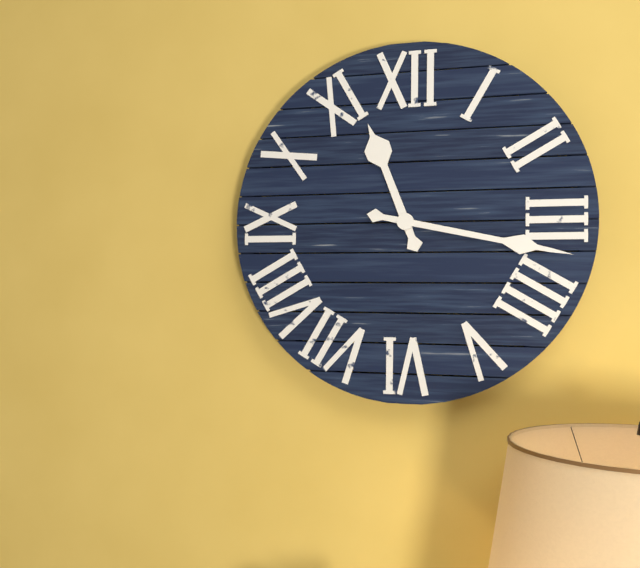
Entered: 11.17
